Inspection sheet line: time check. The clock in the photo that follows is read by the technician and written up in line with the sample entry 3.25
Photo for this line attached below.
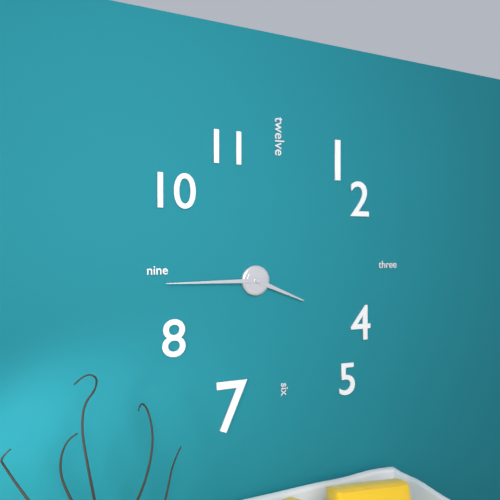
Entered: 3.45
